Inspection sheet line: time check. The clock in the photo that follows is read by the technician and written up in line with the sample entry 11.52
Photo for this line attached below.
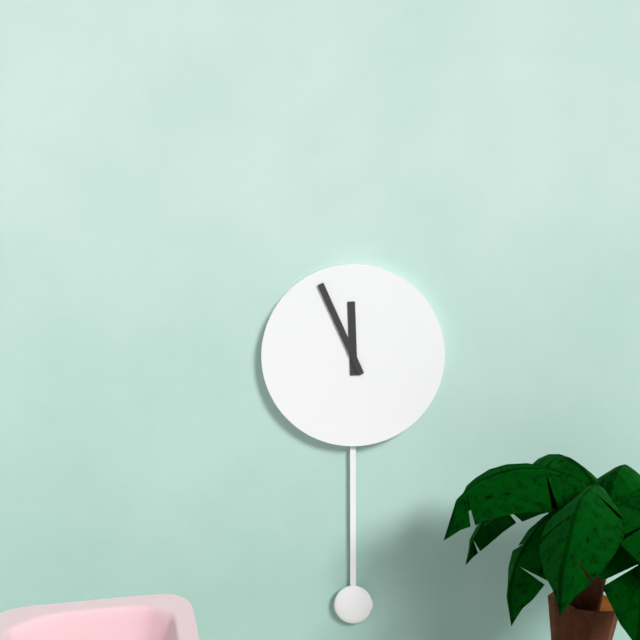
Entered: 11.56
